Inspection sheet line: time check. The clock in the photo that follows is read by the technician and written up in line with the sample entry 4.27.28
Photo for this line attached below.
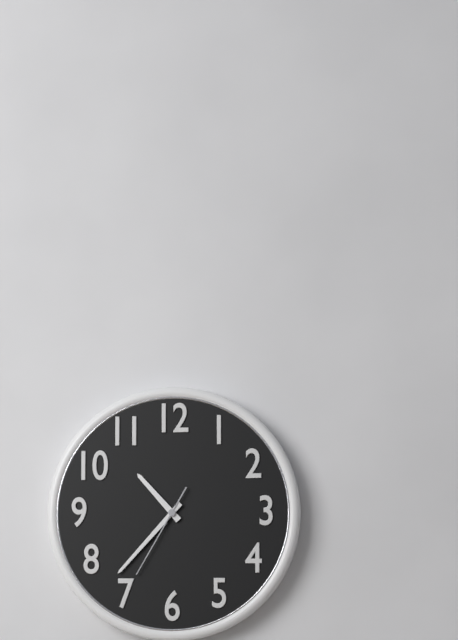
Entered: 10.37.35
